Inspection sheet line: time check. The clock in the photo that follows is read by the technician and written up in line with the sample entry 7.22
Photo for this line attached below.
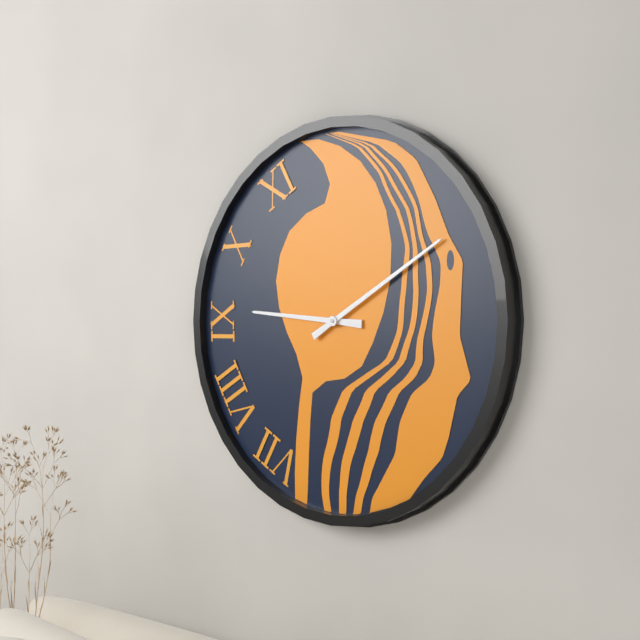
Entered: 9.10
